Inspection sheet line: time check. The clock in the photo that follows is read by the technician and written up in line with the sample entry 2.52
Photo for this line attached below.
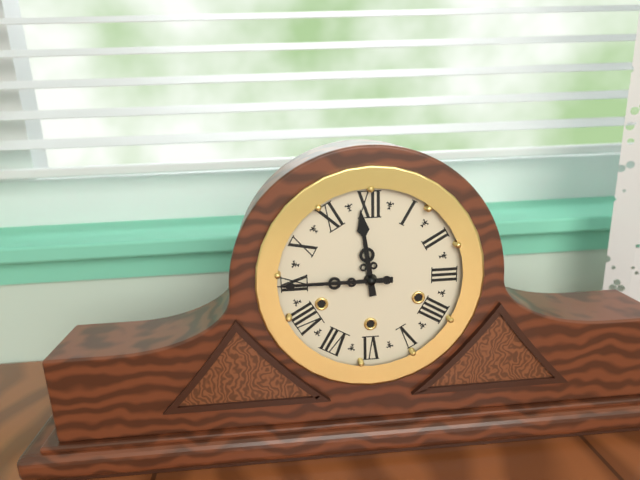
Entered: 11.45
